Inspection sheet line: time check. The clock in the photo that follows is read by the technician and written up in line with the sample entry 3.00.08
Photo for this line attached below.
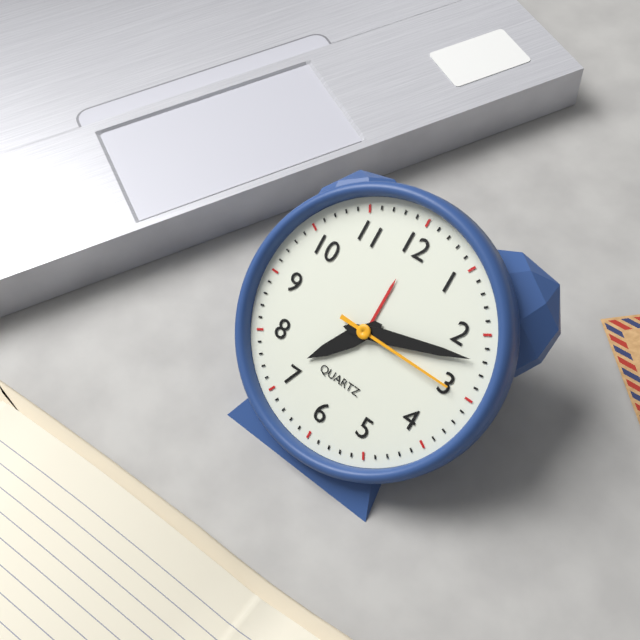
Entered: 7.12.15
